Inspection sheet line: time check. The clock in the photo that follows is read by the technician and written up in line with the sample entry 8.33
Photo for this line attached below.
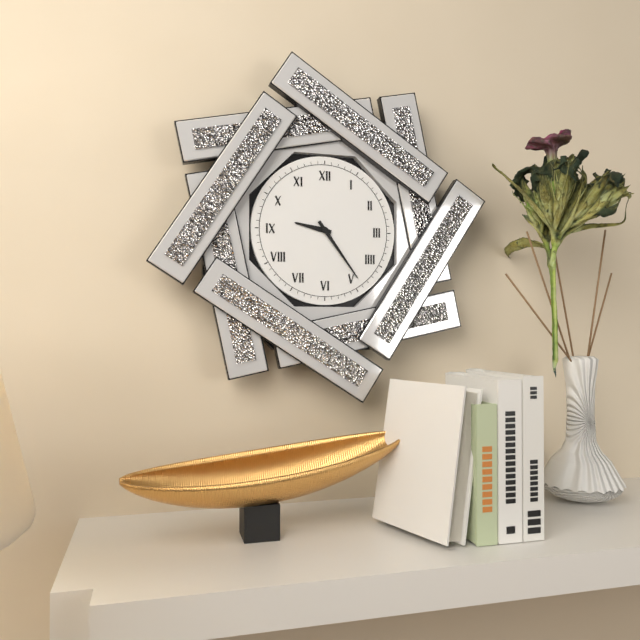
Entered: 9.24
